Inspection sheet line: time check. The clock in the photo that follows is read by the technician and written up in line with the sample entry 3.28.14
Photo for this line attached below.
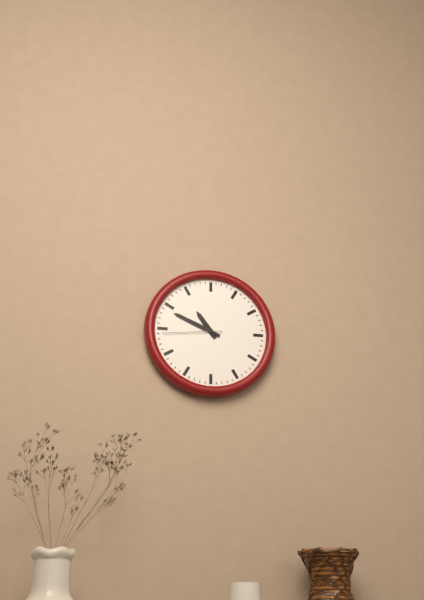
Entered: 10.49.44
